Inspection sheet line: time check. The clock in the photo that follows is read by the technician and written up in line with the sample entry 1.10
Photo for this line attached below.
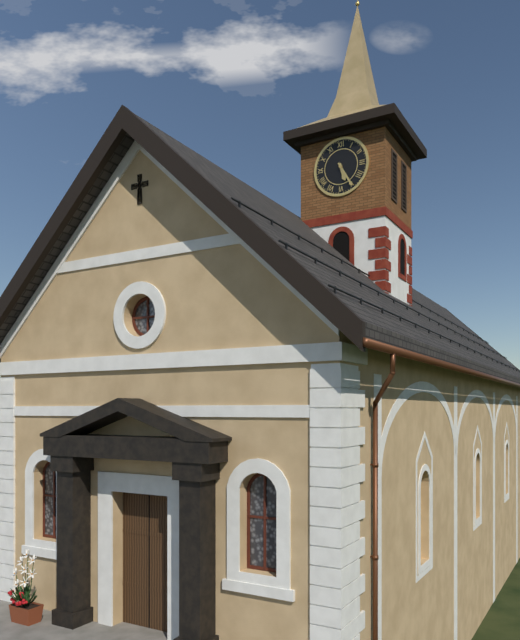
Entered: 5.25
